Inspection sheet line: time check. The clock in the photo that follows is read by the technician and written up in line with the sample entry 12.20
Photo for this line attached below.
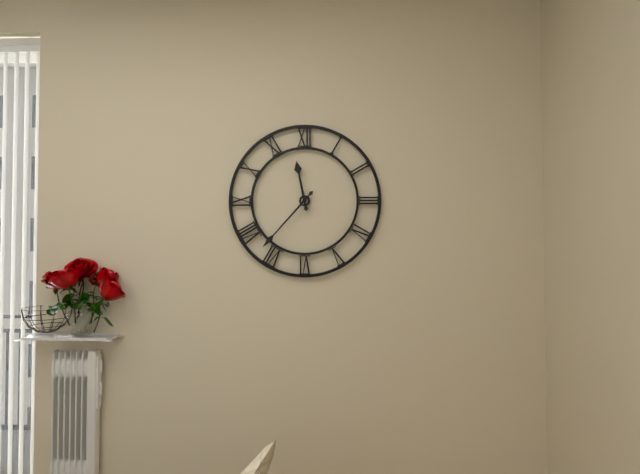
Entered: 11.37
